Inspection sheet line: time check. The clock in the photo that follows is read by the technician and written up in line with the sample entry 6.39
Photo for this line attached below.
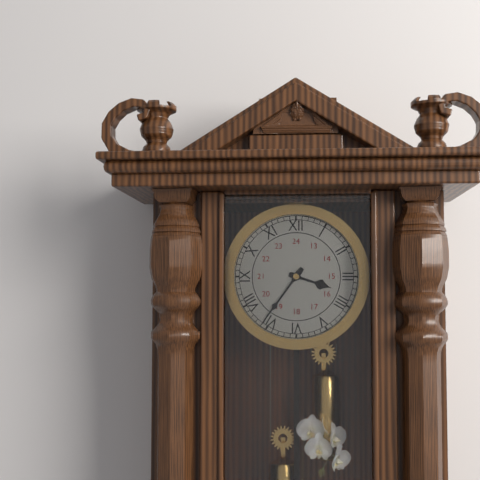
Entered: 3.36
